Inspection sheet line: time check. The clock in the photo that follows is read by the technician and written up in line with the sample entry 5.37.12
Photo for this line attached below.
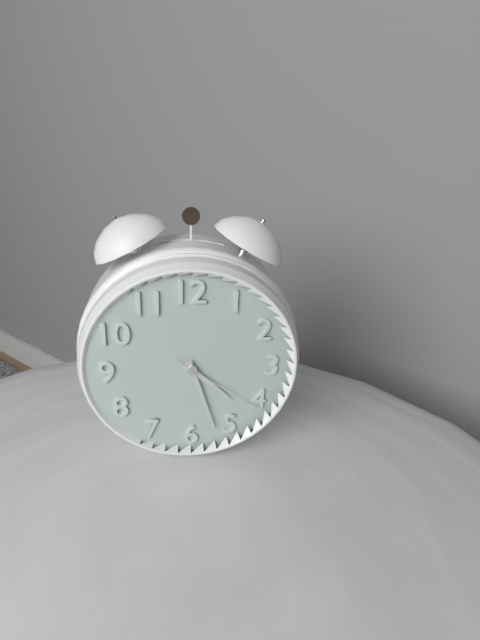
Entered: 4.27.21
